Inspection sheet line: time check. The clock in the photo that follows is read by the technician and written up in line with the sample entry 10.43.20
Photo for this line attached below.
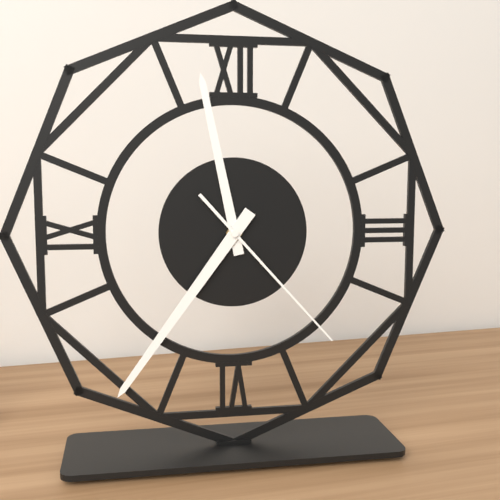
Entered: 11.36.23
